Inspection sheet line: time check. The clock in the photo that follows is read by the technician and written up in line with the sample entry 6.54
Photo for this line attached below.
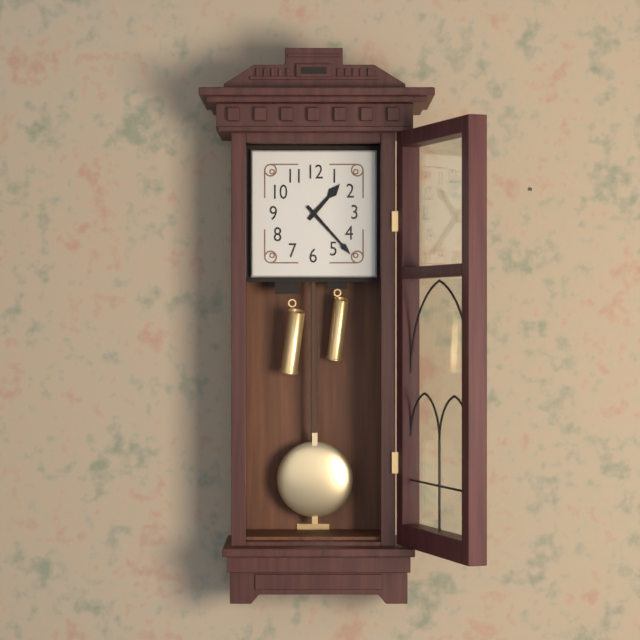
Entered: 1.23
